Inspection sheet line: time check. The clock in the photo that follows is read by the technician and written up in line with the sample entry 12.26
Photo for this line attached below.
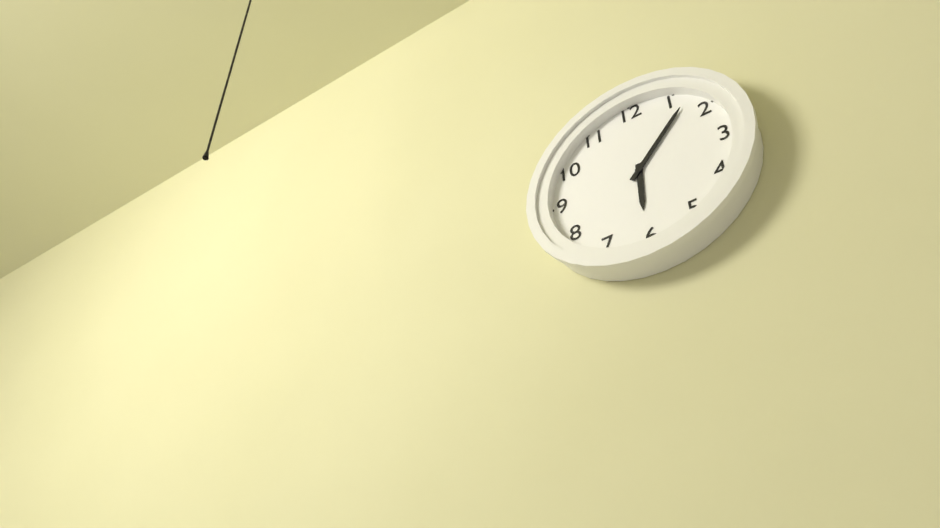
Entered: 6.07
